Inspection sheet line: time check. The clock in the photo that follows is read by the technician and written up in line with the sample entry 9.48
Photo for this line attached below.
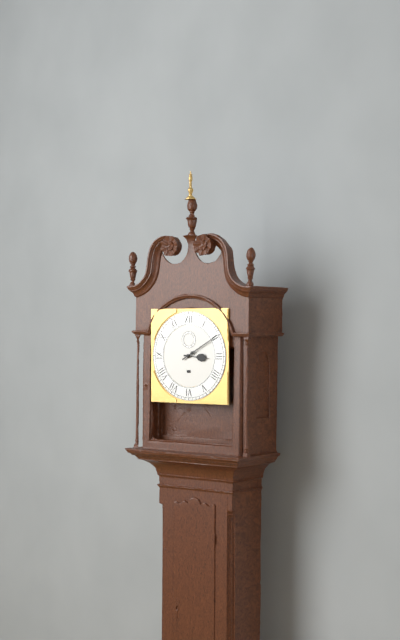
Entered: 3.10
